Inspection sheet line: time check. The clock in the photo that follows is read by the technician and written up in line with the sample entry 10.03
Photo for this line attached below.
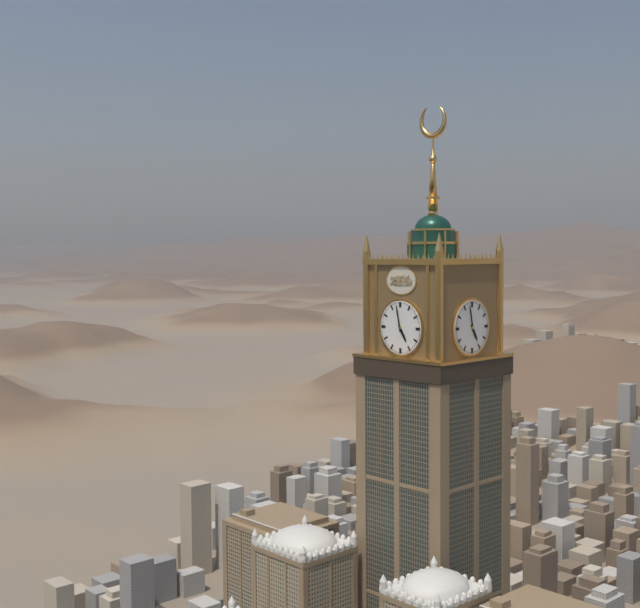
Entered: 4.58
